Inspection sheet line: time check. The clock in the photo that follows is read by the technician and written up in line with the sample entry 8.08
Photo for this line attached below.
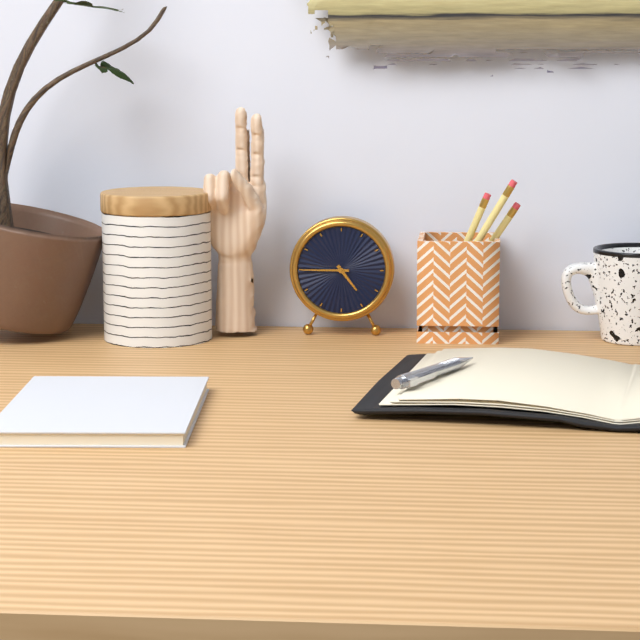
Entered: 4.45
